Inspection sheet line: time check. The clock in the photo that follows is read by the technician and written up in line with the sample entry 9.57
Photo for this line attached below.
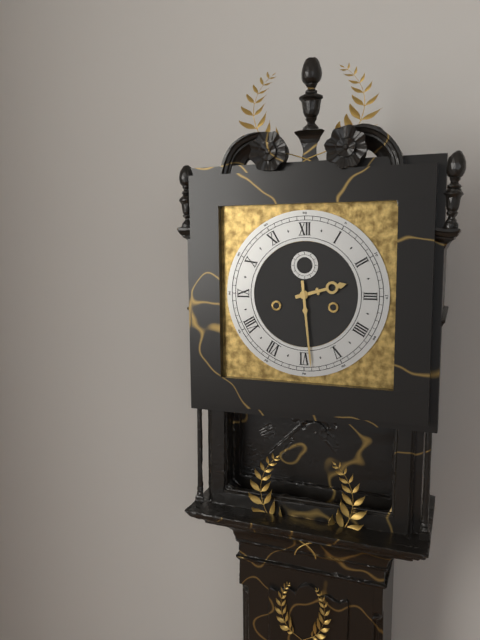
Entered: 2.29
